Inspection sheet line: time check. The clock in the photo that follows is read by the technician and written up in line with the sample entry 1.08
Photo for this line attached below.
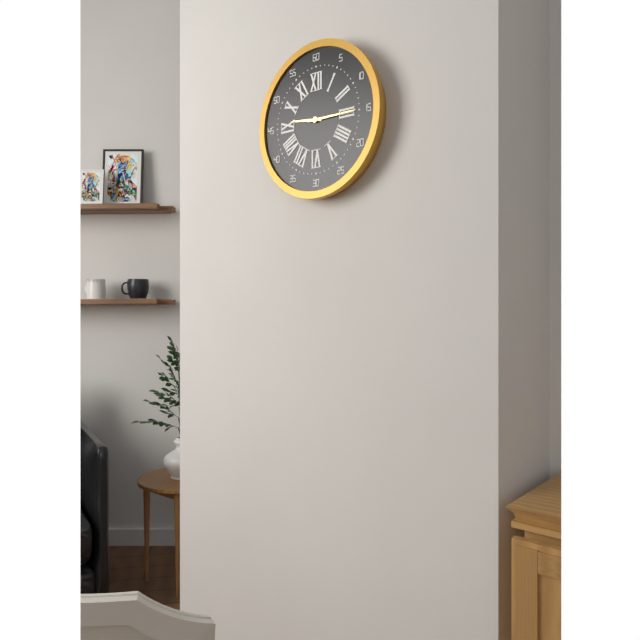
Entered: 9.15
